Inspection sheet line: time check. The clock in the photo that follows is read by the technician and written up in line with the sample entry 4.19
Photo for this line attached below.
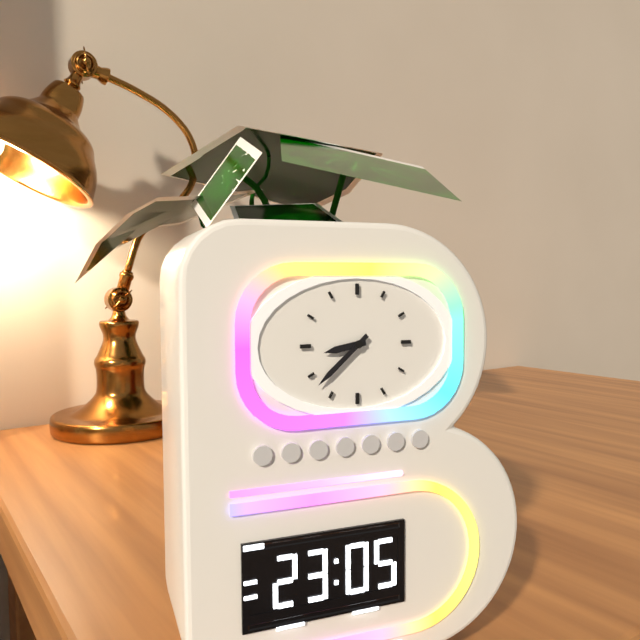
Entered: 8.38
